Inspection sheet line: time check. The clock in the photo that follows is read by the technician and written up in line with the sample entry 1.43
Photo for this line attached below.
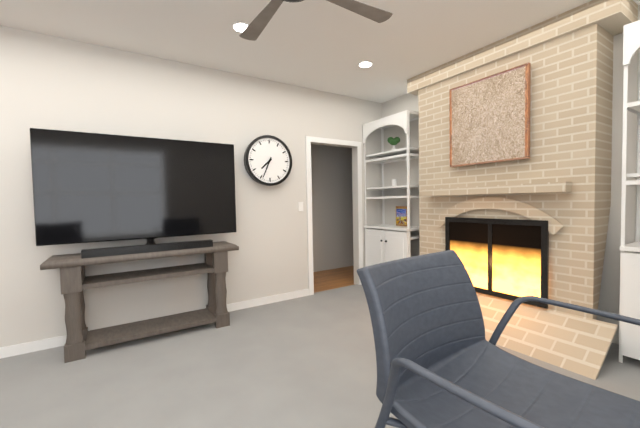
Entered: 7.34
